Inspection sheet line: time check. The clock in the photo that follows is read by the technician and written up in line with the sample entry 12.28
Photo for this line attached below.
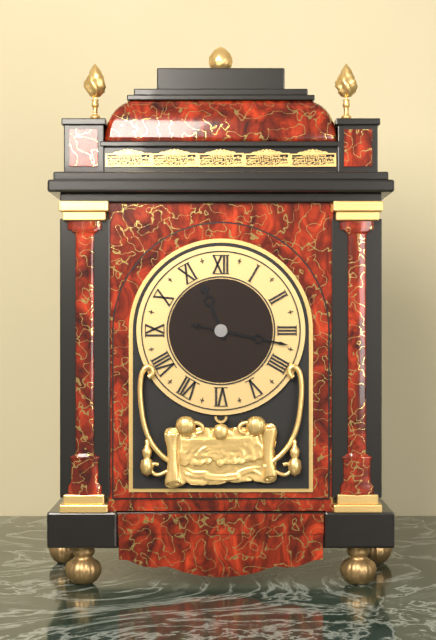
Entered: 11.17
